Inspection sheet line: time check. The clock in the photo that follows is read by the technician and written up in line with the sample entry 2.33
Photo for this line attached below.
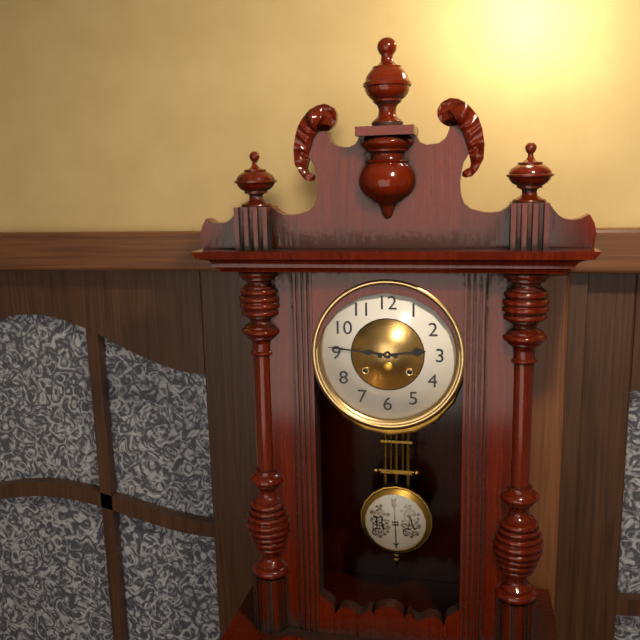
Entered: 2.46
